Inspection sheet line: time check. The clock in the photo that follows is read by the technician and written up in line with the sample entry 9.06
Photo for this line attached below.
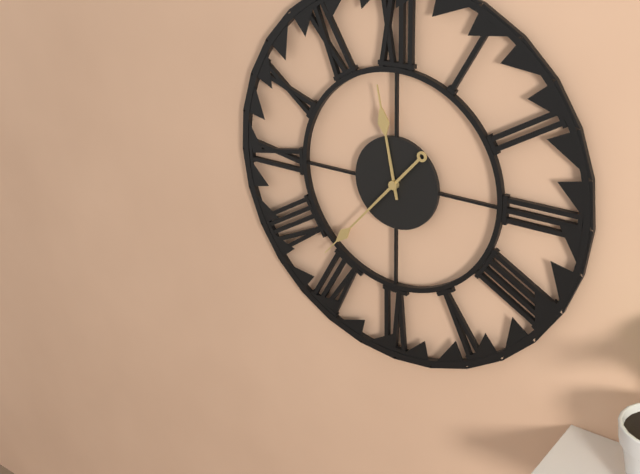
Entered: 11.37
